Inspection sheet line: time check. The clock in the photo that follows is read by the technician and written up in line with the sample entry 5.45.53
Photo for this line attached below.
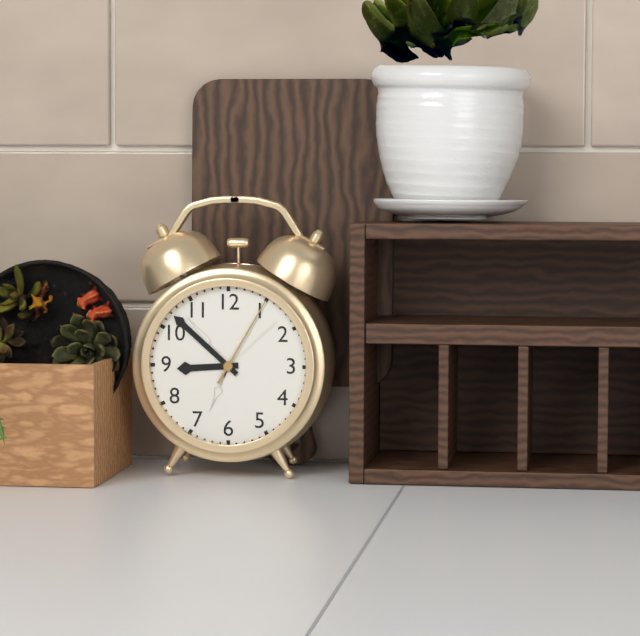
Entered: 8.52.05
